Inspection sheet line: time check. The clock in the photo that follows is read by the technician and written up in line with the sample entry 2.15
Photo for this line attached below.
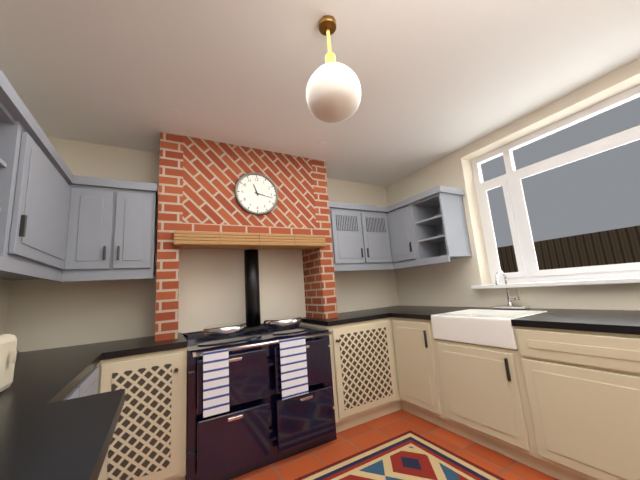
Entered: 11.17
